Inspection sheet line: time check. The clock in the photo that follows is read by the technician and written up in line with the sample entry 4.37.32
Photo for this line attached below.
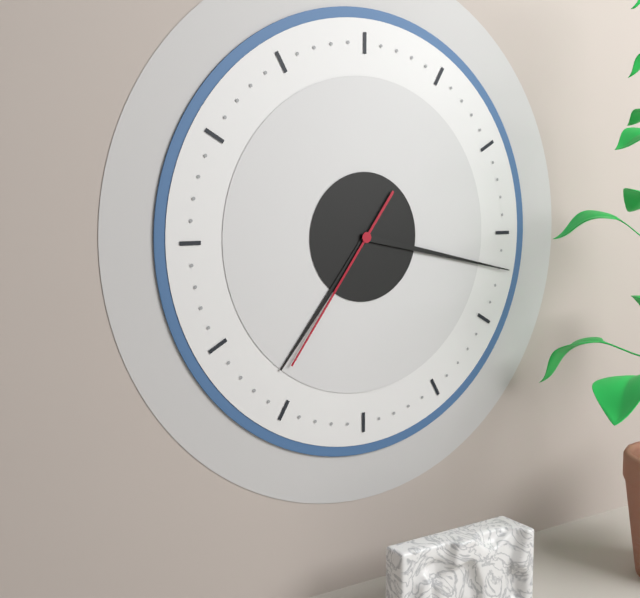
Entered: 7.17.36
